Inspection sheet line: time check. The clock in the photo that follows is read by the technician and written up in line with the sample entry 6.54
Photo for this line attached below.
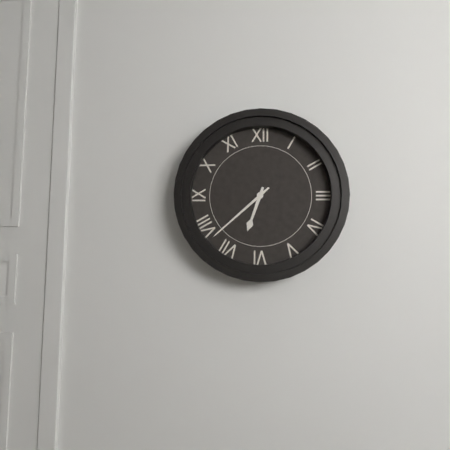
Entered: 6.38
